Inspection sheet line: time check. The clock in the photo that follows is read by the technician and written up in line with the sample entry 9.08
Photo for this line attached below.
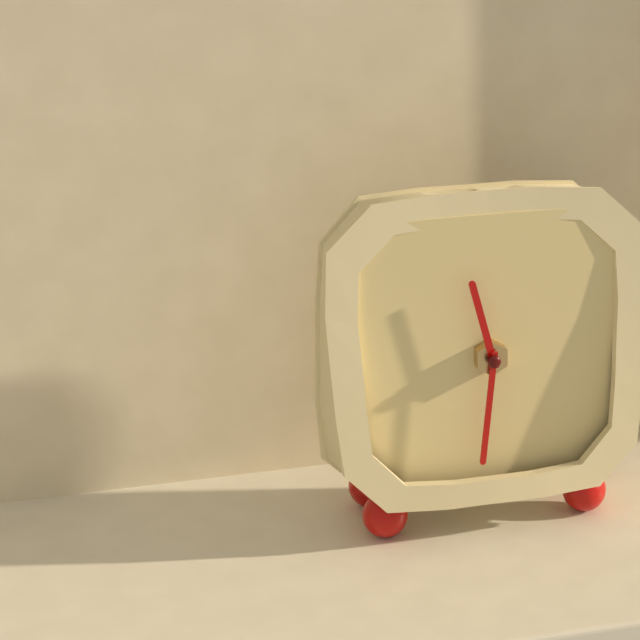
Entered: 11.31
